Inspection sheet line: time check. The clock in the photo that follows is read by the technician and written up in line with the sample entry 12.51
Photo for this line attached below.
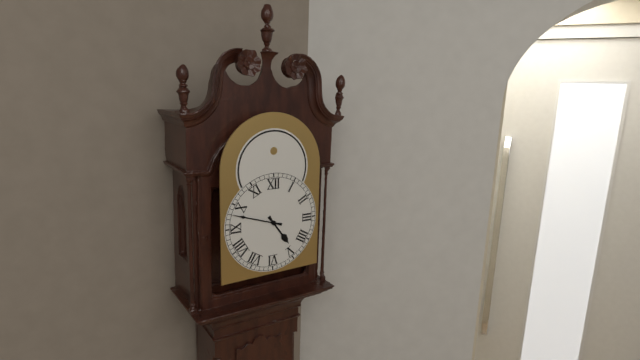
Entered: 4.48
